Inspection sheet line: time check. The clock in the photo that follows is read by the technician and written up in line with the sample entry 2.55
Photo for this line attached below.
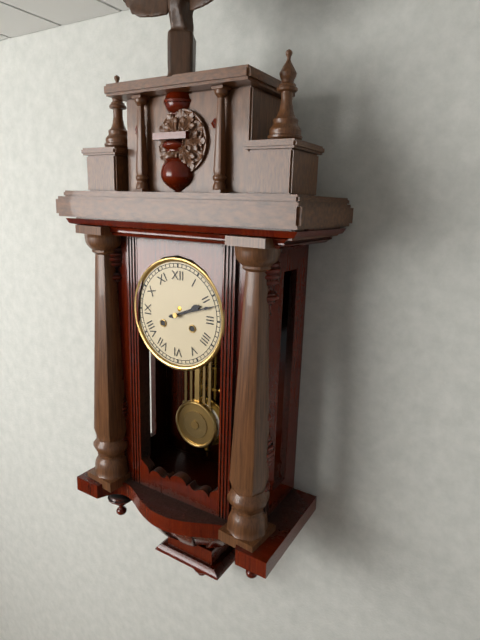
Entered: 2.12
